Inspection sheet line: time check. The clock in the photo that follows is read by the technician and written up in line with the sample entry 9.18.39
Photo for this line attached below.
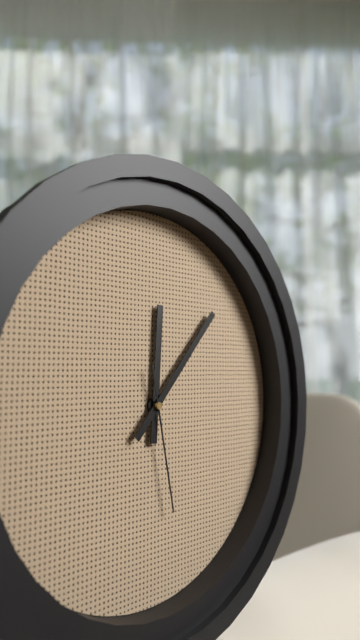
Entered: 12.07.28
